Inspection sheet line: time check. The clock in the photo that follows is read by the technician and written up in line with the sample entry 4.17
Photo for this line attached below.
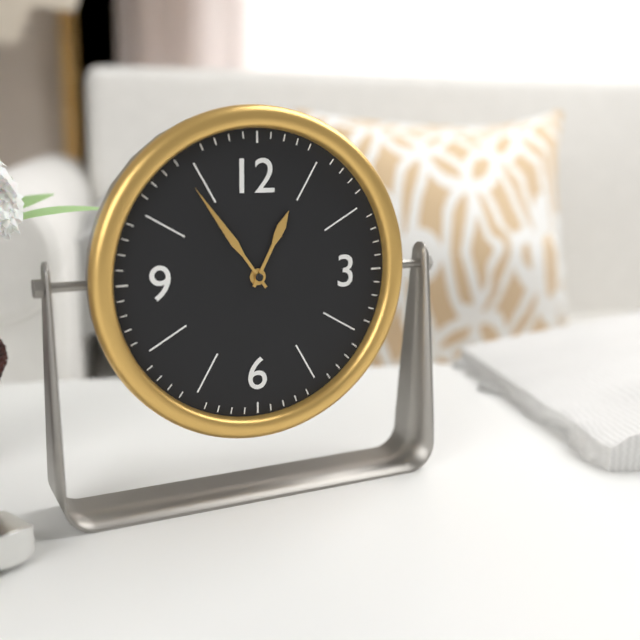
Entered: 12.54
